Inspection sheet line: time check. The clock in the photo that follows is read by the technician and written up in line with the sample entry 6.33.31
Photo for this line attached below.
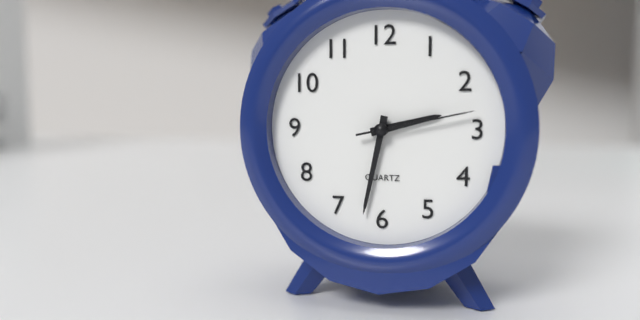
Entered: 2.32.13
